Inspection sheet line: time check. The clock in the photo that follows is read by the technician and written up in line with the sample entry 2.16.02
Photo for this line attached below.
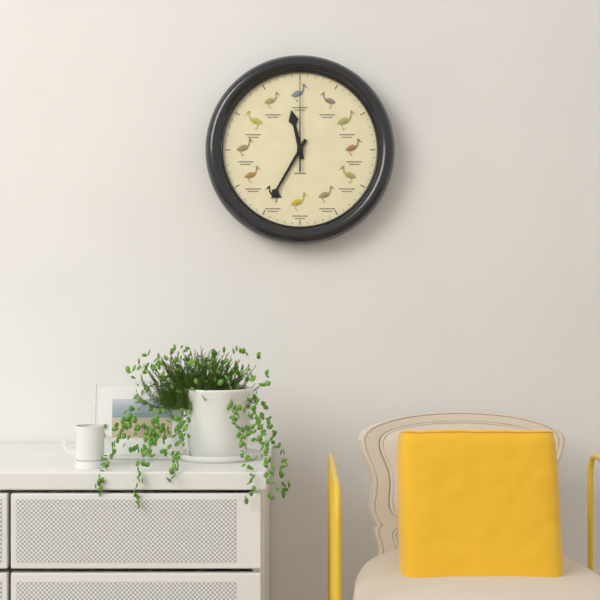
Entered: 11.35.00
